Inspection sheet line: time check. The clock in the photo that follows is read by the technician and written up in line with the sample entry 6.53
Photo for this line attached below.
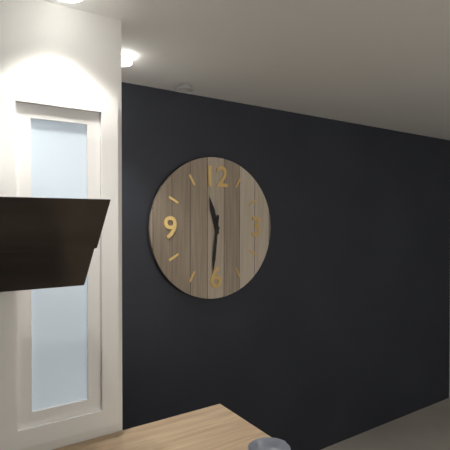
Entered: 11.31
